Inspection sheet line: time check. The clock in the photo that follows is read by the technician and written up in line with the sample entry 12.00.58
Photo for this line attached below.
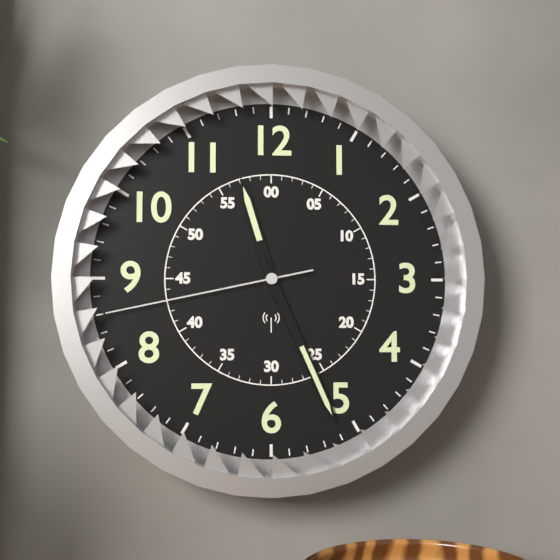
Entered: 11.26.43
